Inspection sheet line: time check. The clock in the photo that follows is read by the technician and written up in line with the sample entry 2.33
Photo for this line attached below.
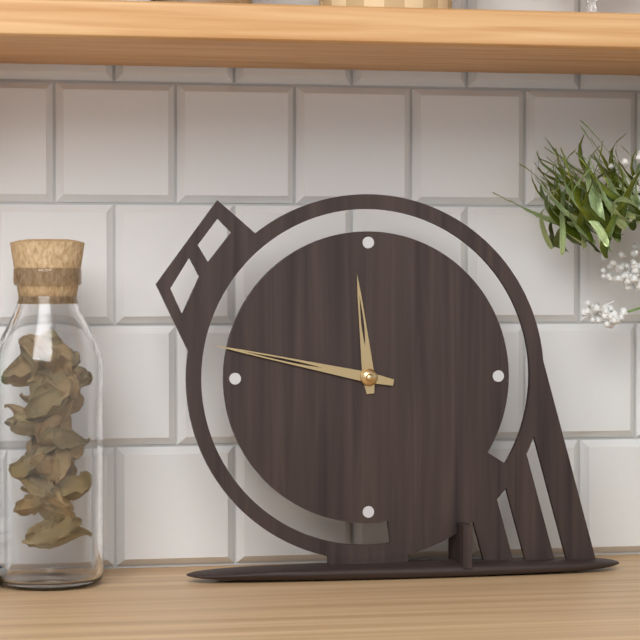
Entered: 11.47
